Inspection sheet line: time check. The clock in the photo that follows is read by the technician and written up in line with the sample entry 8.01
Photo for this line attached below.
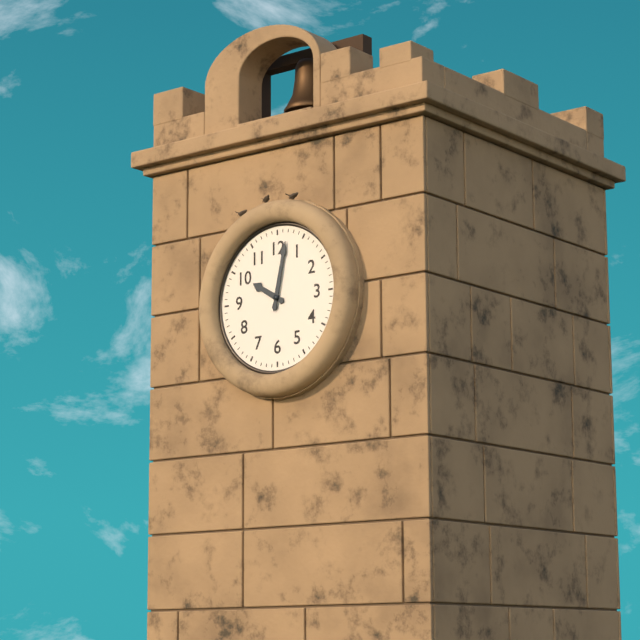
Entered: 10.02
